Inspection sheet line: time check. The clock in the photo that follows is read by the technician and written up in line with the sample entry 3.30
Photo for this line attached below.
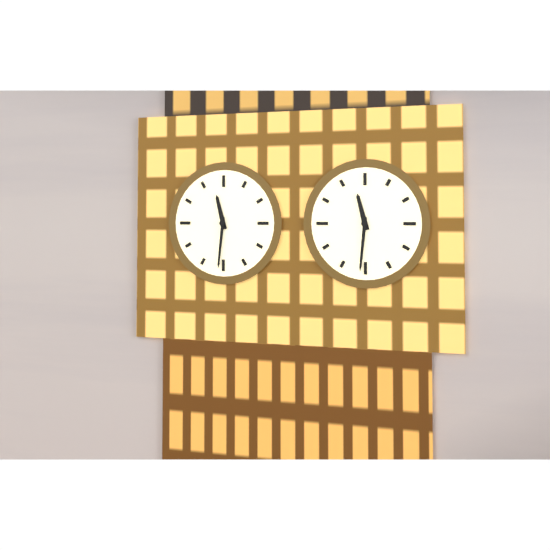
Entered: 11.31
